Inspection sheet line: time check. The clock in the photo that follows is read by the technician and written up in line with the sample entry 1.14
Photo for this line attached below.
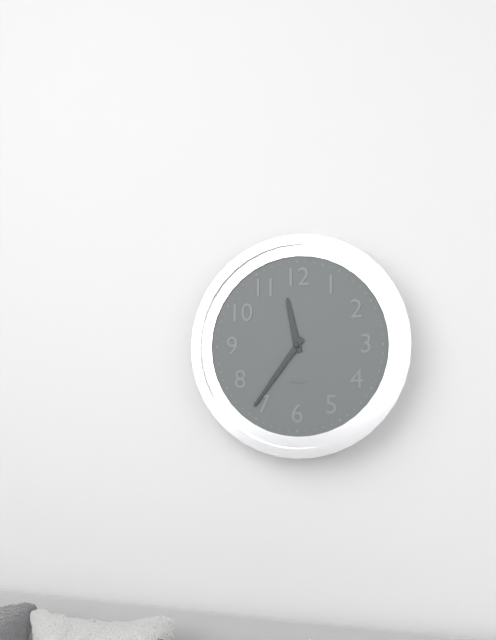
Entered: 11.36
